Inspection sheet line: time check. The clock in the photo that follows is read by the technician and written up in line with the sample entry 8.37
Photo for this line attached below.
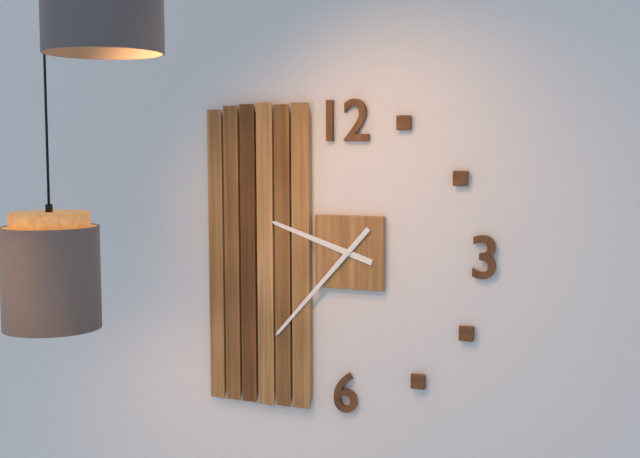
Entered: 9.37
